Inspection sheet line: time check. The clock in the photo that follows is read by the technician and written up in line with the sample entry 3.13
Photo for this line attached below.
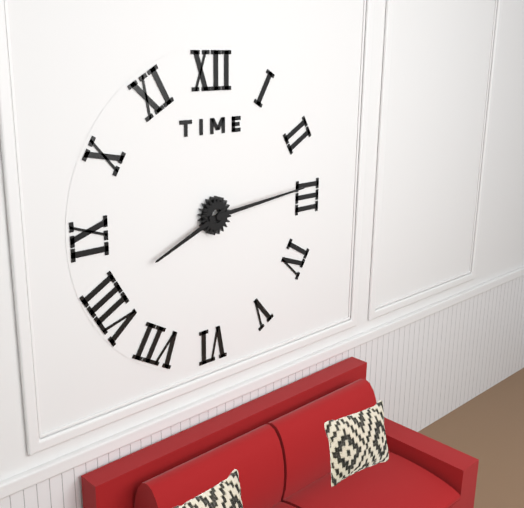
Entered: 8.14
